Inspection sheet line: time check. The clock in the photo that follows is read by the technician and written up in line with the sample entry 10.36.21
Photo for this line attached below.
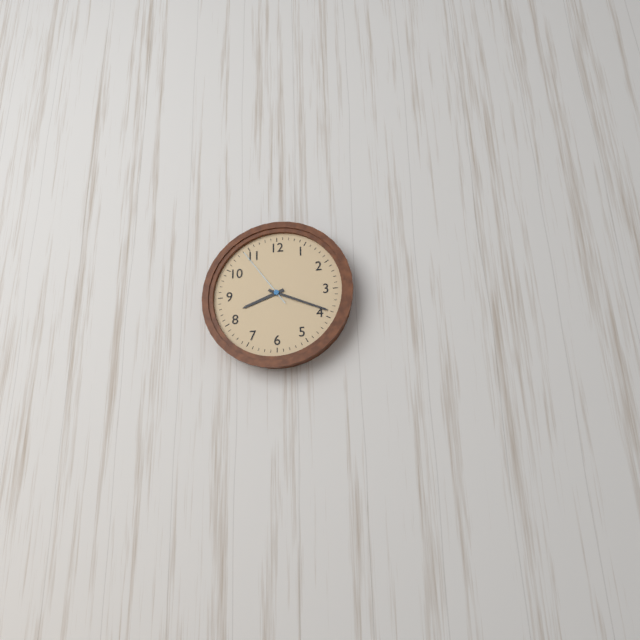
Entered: 8.19.54
